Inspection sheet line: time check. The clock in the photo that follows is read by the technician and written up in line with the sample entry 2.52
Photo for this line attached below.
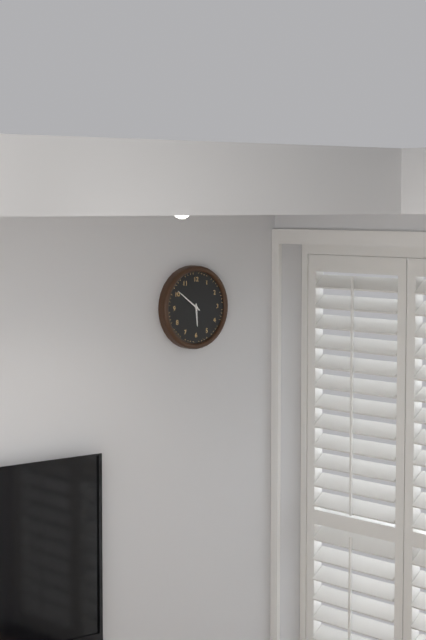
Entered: 5.51
